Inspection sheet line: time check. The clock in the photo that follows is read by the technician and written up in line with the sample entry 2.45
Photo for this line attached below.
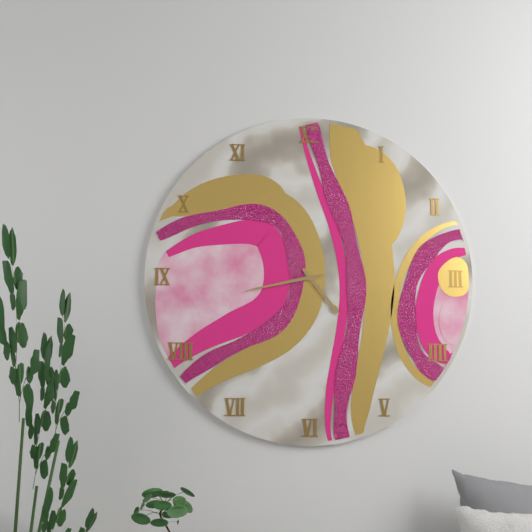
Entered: 4.43
